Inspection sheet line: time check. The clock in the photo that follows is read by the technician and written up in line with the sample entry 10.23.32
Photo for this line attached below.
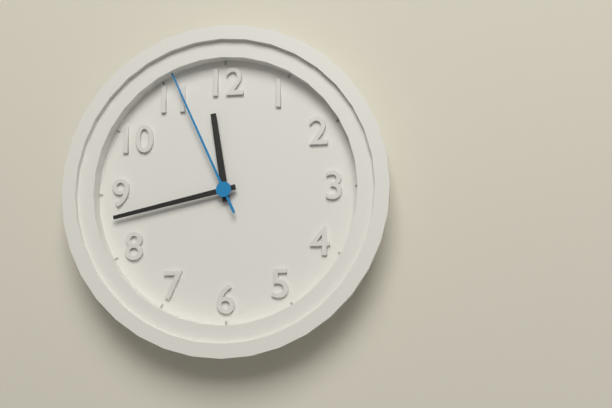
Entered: 11.43.56
